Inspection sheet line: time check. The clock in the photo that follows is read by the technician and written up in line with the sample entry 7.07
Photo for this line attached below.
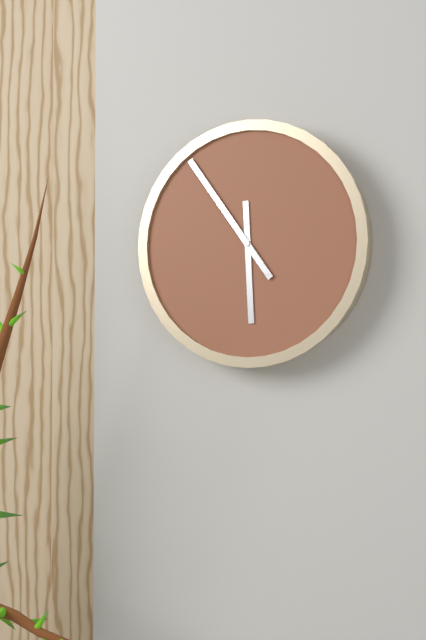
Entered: 5.54
